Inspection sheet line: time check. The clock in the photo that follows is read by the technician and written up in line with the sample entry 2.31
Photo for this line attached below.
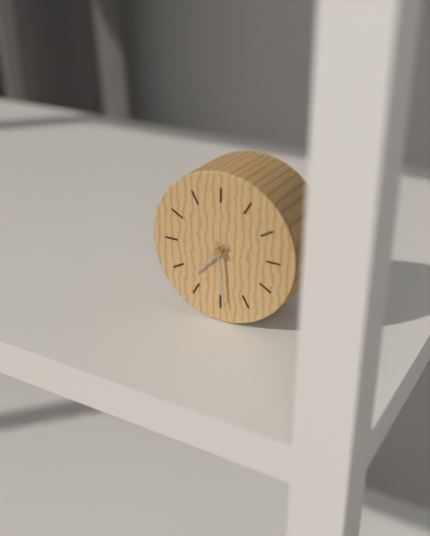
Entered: 7.29
